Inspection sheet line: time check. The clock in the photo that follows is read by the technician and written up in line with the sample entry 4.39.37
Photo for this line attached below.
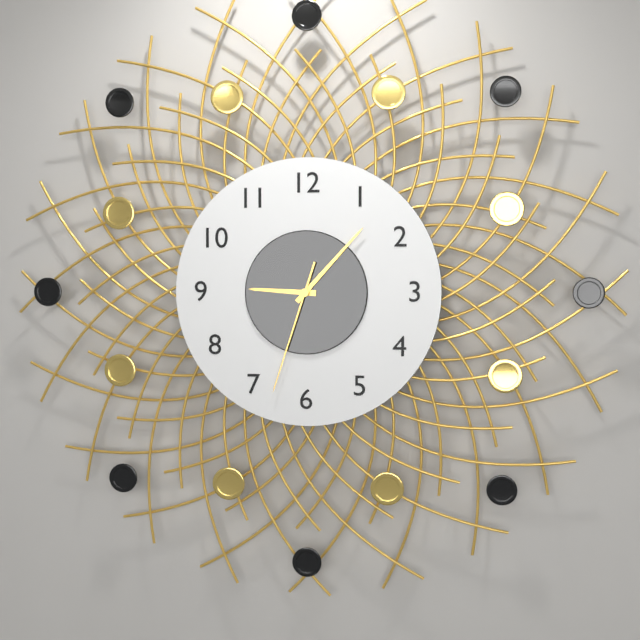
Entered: 9.07.33
